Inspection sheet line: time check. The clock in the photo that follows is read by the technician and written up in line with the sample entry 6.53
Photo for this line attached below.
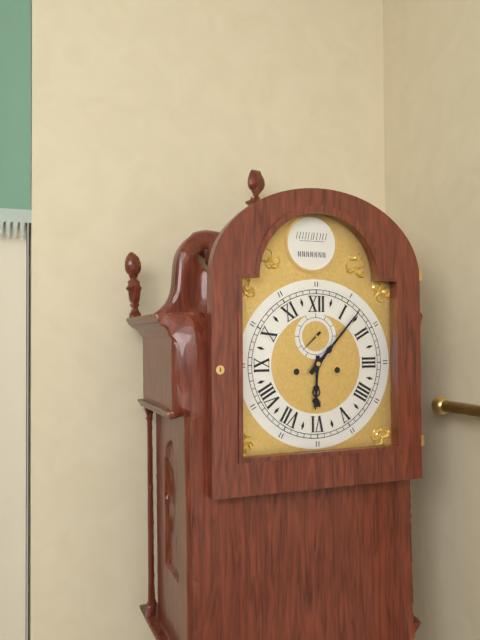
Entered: 6.07
